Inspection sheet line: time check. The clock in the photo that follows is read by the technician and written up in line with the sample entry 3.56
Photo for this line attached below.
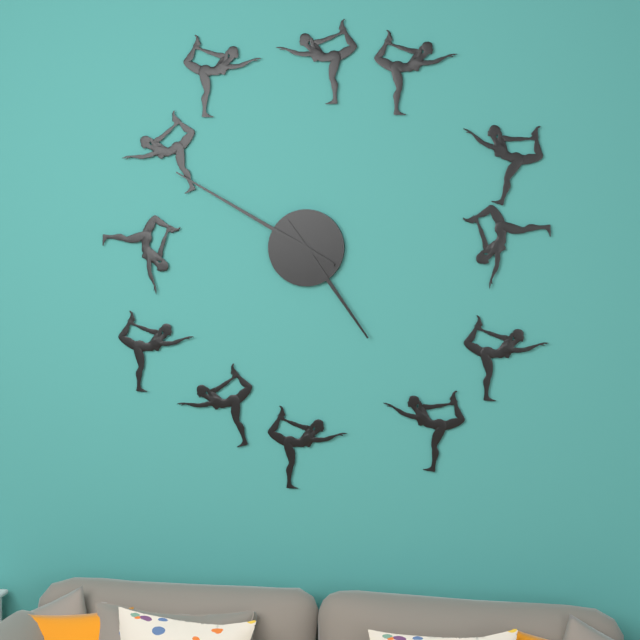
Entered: 4.50
